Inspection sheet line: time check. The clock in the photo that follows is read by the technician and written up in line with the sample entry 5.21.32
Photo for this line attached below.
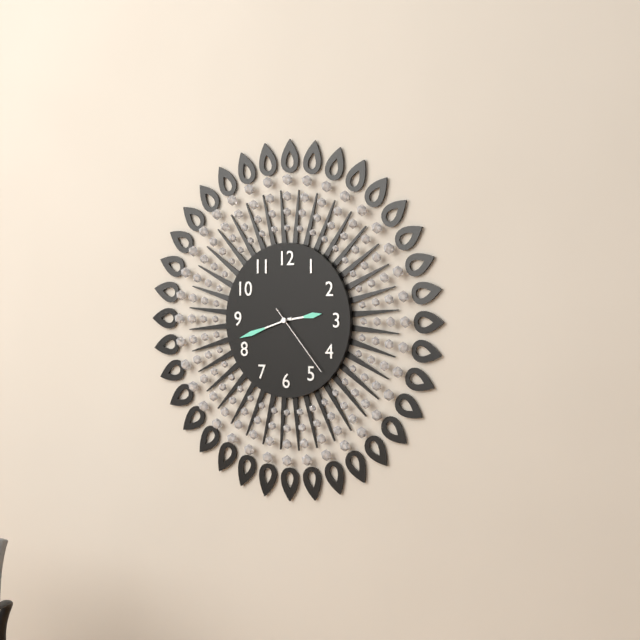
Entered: 2.42.23
